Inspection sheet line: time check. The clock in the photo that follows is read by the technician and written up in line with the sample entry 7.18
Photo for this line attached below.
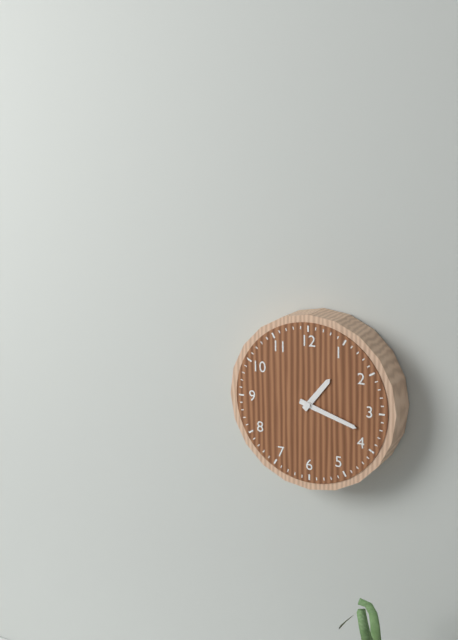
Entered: 1.18
